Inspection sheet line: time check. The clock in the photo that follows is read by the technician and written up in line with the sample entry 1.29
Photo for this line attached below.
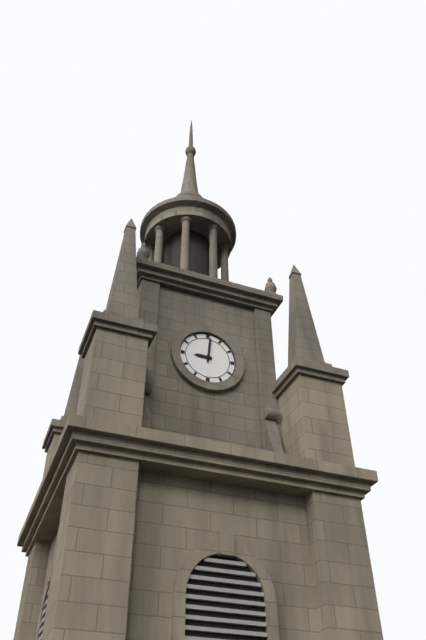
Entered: 9.01
